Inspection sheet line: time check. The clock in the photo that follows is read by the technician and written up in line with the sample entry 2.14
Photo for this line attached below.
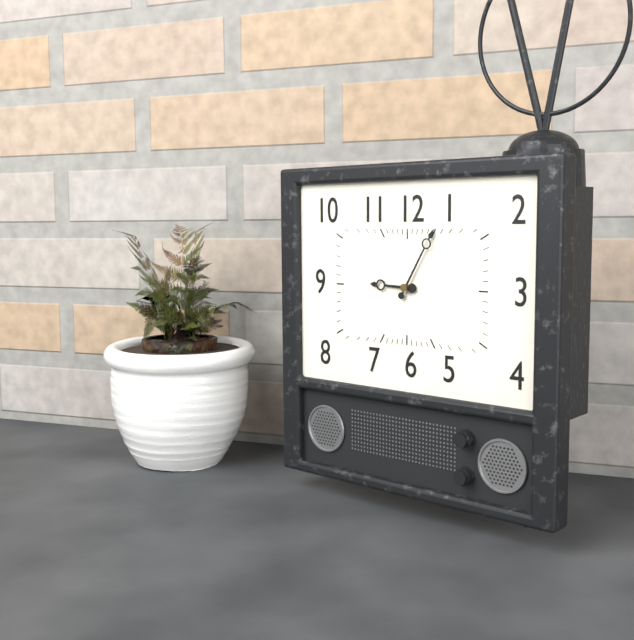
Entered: 9.05
